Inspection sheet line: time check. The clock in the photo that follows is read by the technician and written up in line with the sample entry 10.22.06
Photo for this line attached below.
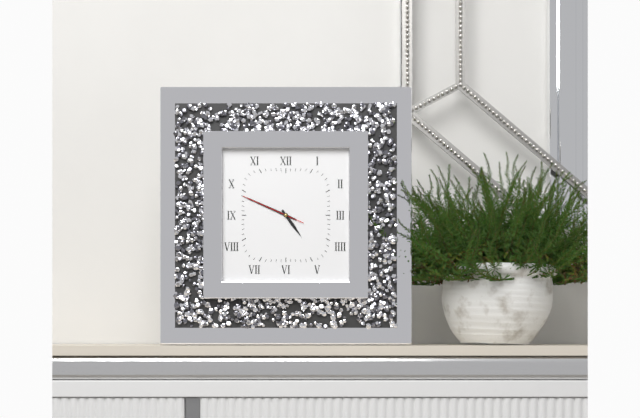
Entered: 4.49.49
